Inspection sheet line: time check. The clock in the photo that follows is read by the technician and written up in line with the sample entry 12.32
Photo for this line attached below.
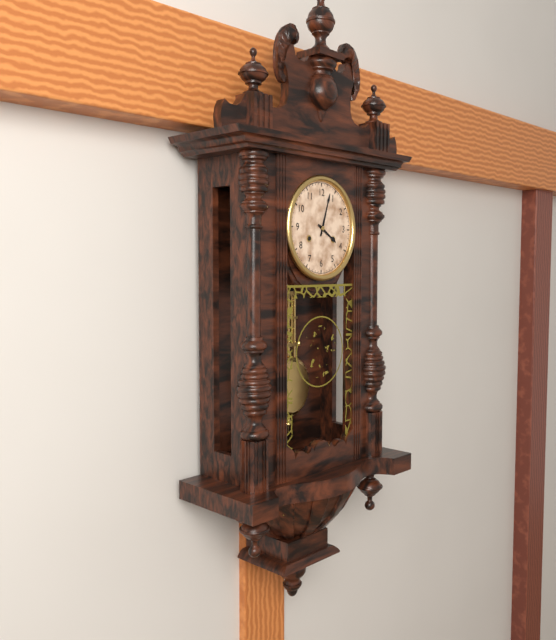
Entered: 4.03
